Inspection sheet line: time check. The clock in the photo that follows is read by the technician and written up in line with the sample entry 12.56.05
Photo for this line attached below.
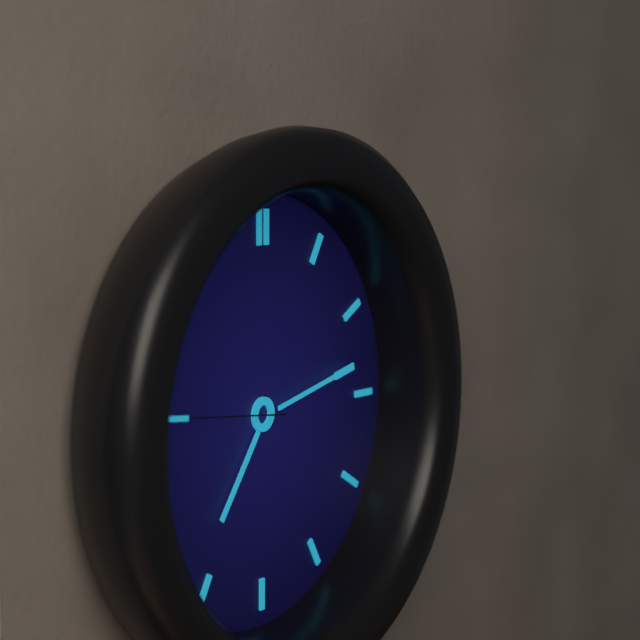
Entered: 7.13.46
